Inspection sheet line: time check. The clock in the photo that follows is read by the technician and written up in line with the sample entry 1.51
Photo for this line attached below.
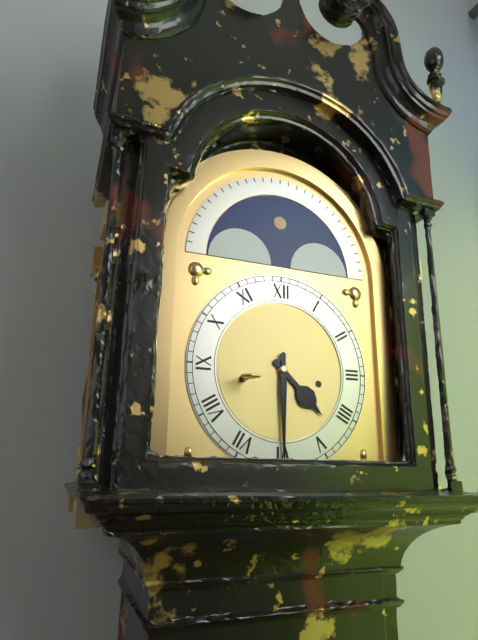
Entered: 4.30
